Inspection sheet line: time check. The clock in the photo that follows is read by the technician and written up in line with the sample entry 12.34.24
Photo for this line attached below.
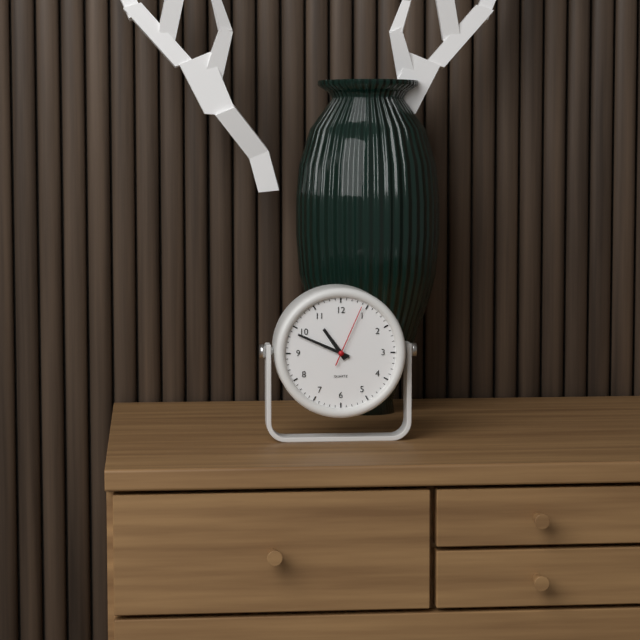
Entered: 10.49.04
